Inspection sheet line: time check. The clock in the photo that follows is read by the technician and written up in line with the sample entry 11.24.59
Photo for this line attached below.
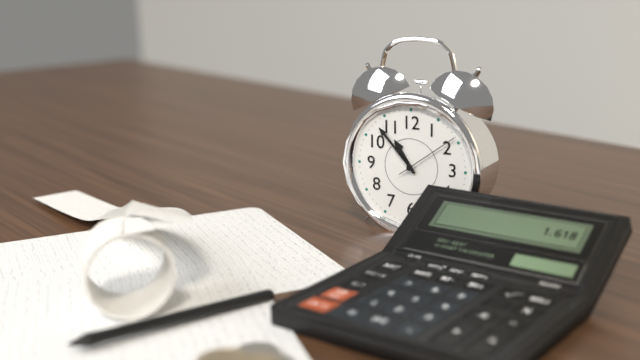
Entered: 10.53.09
